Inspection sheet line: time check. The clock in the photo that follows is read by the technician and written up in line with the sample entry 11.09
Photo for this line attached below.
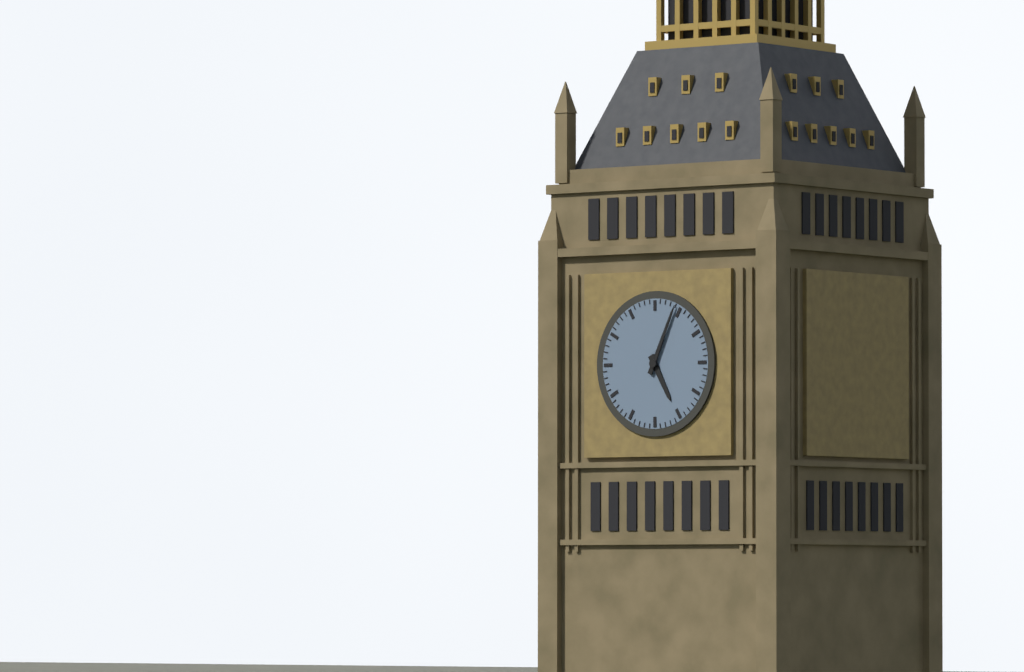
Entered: 5.04
